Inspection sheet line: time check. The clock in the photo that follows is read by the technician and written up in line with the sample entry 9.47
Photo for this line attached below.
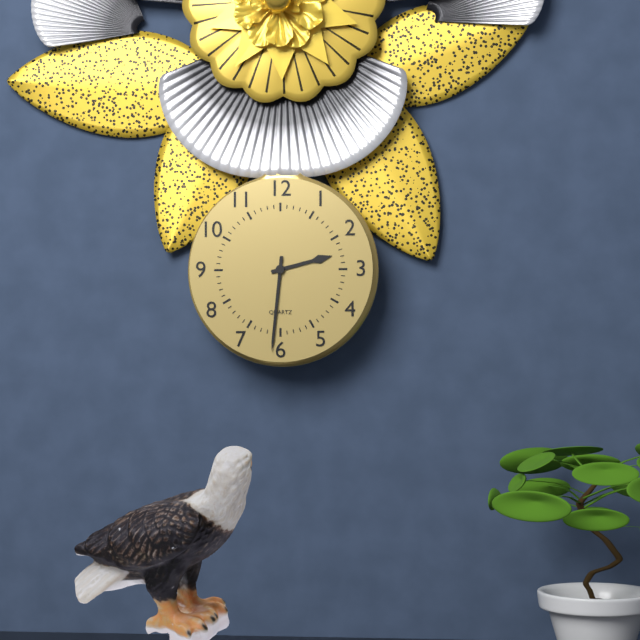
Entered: 2.31
